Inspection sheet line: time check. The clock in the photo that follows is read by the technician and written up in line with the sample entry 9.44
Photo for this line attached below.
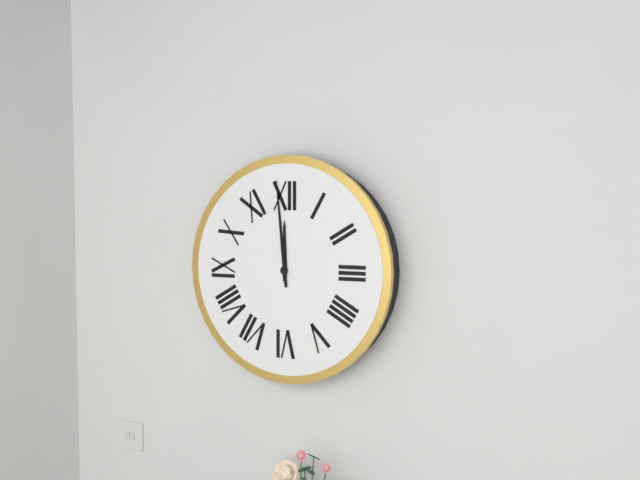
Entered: 11.59
